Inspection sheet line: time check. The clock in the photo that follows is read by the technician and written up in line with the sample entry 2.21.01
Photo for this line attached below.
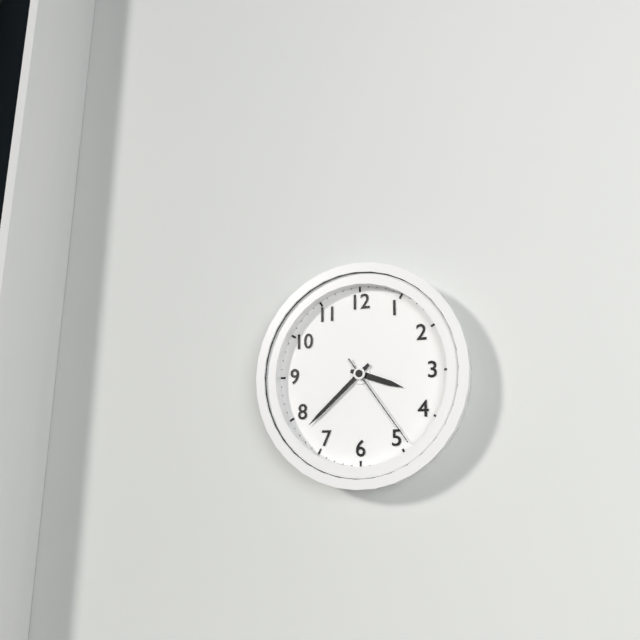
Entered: 3.38.24
